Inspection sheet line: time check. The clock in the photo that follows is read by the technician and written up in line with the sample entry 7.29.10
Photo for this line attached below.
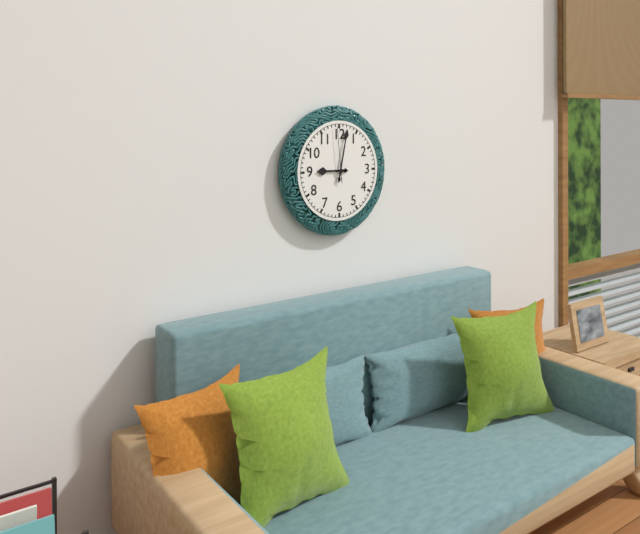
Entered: 9.02.59
